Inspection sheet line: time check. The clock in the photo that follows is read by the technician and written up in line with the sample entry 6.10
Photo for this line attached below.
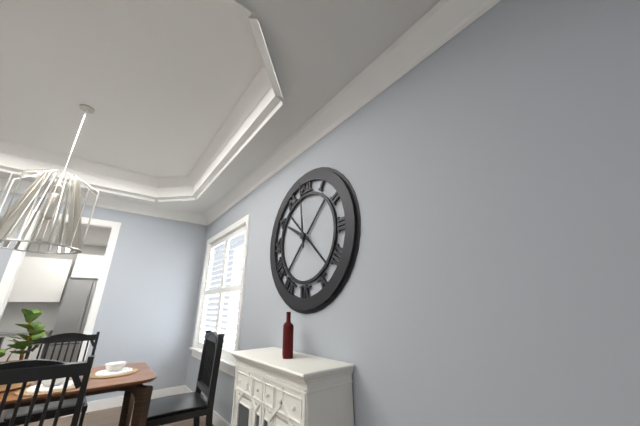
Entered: 9.59
